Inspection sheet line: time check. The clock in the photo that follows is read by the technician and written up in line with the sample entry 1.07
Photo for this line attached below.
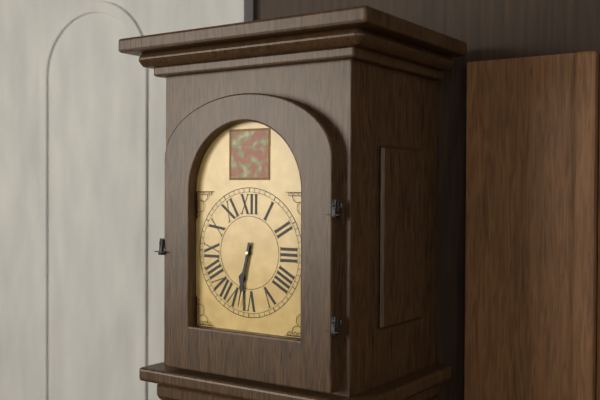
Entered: 6.32
